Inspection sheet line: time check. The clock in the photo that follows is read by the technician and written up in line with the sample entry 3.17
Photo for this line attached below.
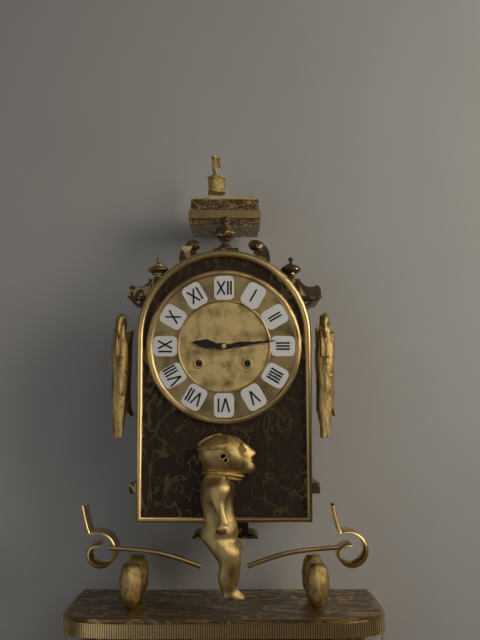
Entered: 9.14
